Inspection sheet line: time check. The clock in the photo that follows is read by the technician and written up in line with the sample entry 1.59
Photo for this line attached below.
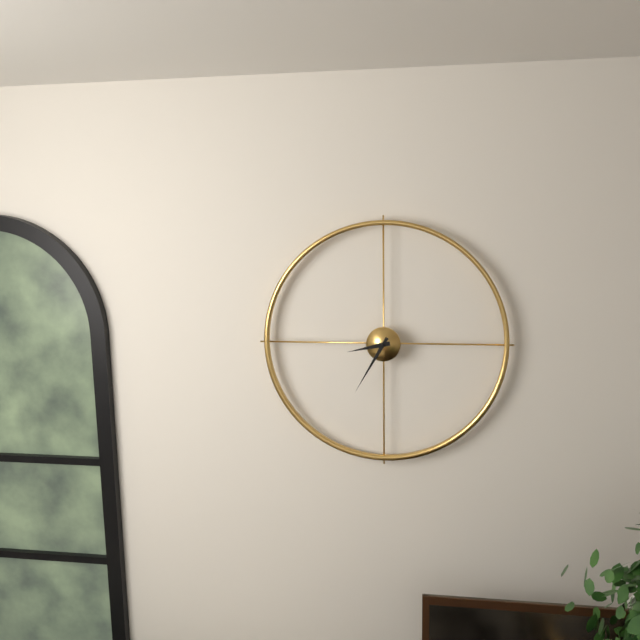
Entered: 8.35
